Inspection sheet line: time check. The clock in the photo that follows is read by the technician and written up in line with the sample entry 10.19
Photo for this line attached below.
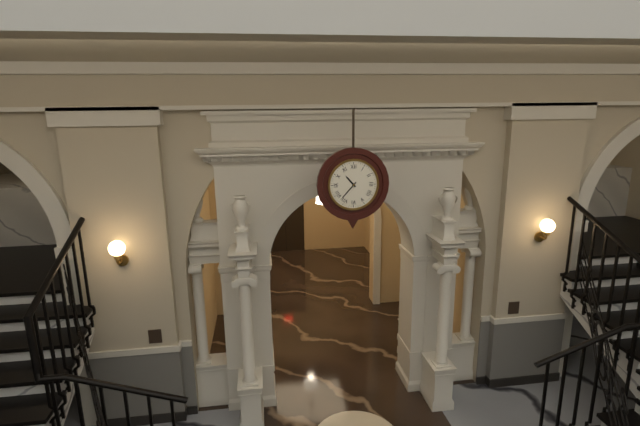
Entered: 10.37
